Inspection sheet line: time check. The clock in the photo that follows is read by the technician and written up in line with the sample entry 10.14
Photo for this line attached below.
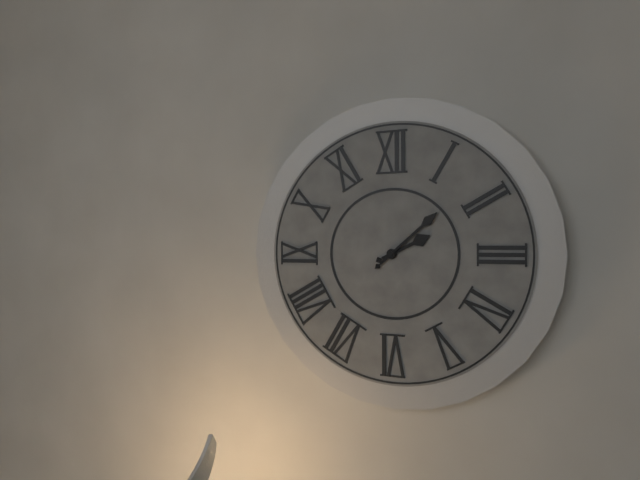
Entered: 2.08
